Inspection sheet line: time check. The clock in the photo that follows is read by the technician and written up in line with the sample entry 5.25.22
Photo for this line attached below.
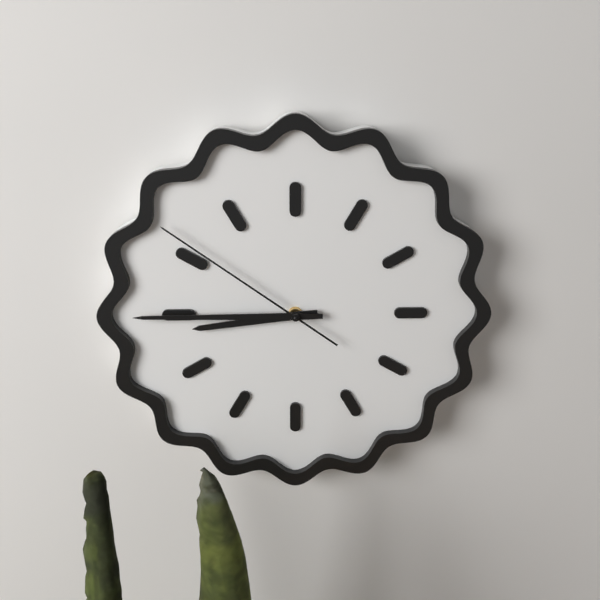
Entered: 8.45.51
